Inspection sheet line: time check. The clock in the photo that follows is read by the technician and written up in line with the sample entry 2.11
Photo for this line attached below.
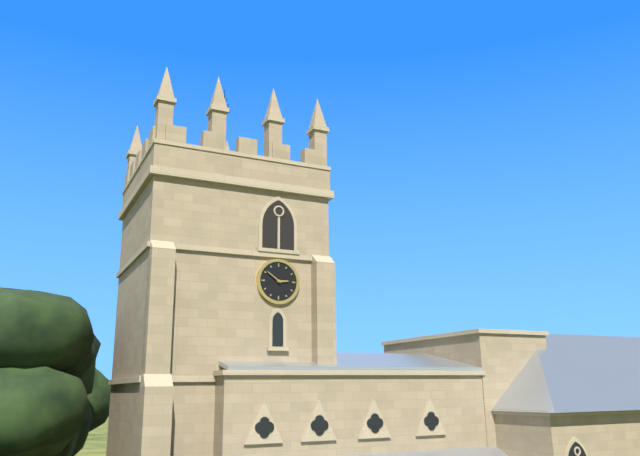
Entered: 2.51
